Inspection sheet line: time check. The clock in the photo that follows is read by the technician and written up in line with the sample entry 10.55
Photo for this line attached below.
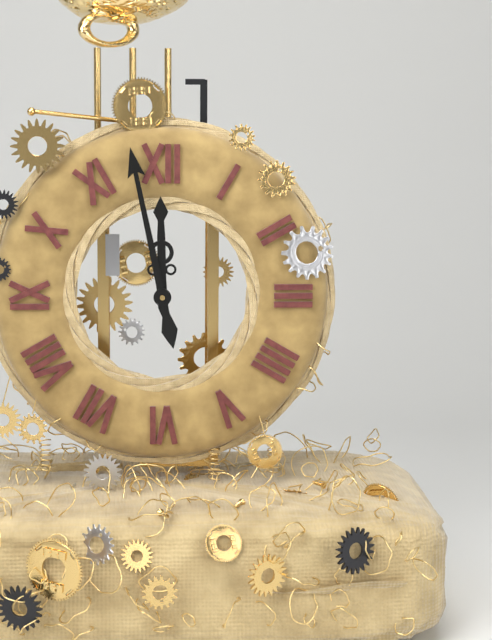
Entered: 11.58
